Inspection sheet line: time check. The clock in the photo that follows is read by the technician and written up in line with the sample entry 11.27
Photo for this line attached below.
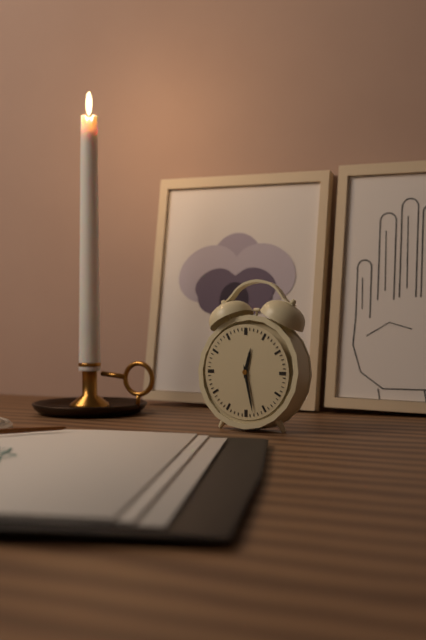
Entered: 12.28
